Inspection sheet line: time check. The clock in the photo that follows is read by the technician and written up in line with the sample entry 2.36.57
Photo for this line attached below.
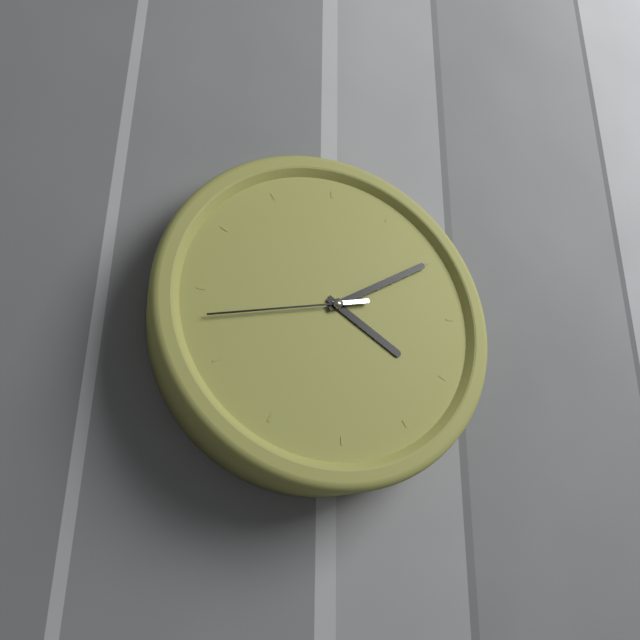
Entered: 4.10.43
